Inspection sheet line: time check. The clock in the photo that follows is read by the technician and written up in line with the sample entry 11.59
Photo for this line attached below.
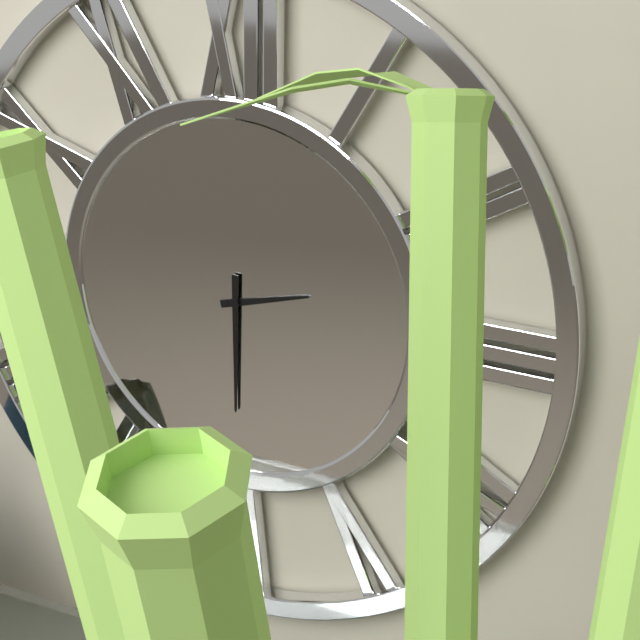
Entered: 2.30
